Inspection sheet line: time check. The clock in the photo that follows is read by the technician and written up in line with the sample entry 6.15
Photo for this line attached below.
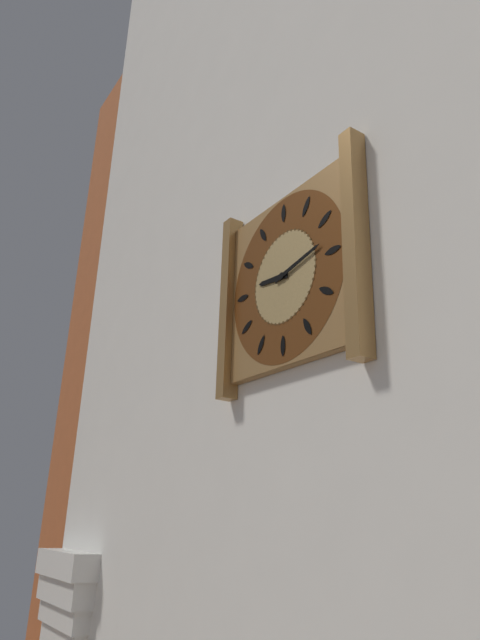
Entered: 9.13
